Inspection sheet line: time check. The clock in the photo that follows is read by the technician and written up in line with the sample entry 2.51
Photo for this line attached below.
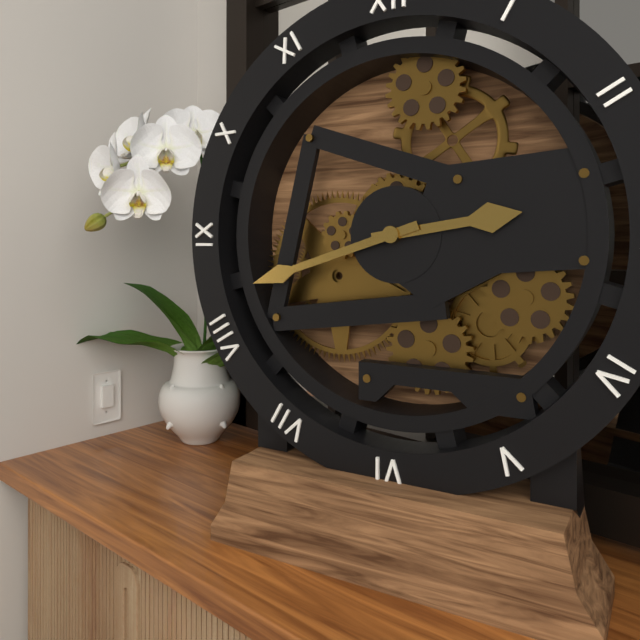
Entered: 2.42
